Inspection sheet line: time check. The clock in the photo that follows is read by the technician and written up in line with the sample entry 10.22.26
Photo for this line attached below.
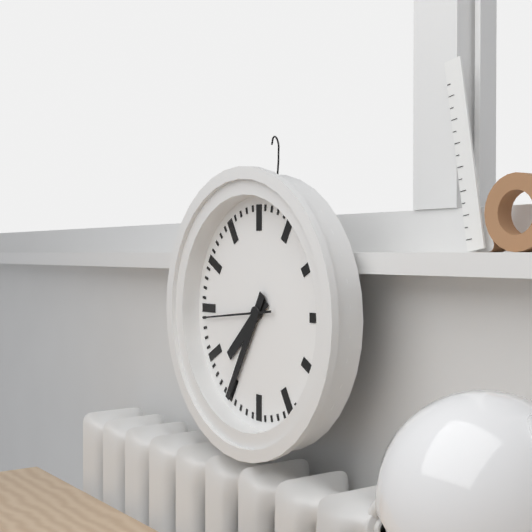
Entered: 7.35.44
